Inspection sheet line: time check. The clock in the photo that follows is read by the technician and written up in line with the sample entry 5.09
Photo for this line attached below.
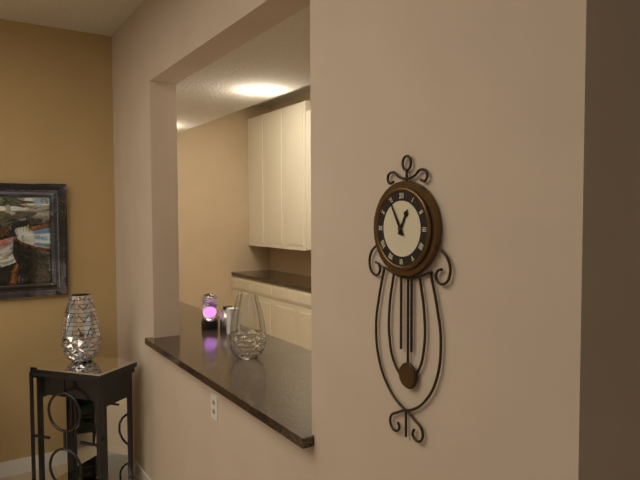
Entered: 12.55
